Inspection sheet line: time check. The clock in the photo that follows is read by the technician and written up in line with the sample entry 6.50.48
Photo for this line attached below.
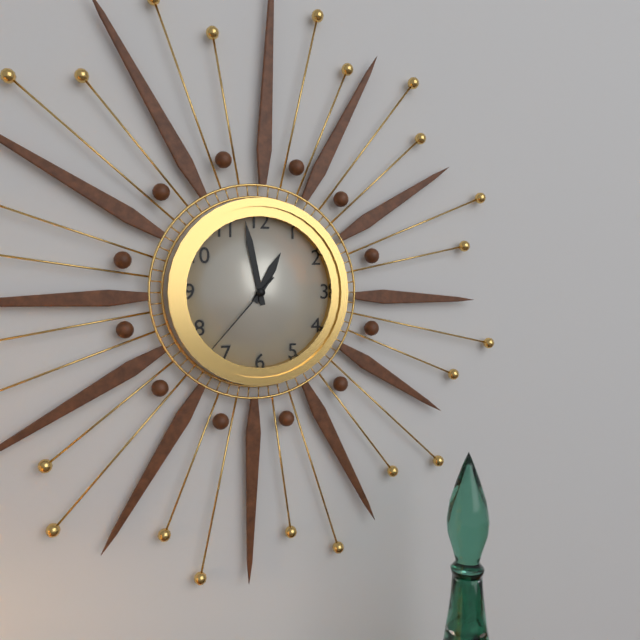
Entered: 12.58.37
